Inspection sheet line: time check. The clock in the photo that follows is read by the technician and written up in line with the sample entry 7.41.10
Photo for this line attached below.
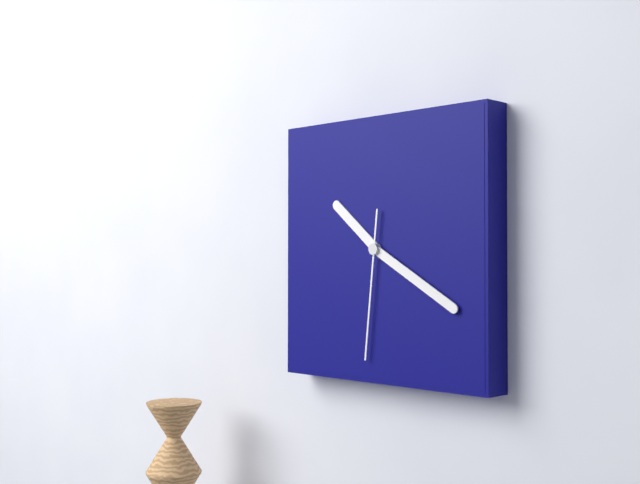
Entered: 10.20.31
